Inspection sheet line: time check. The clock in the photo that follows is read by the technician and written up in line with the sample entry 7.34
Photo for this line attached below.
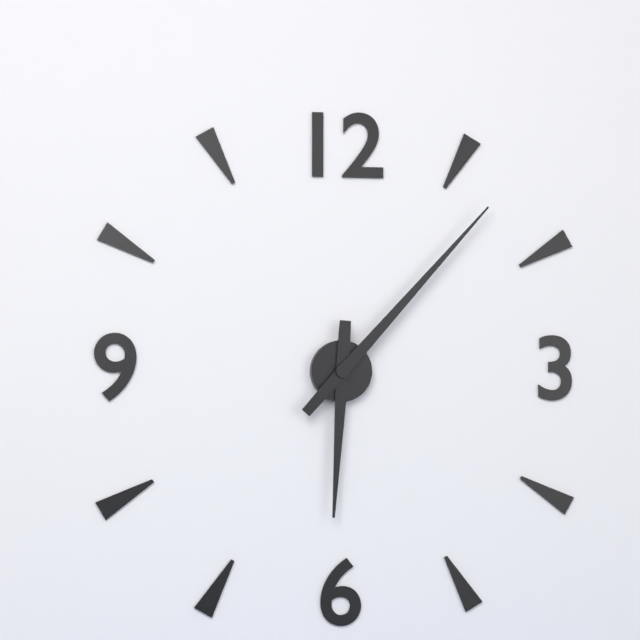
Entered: 6.07
